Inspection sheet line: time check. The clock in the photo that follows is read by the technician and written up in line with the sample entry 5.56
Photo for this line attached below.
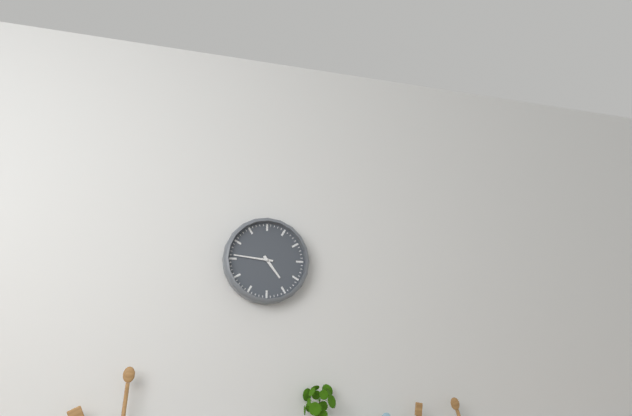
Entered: 4.46
